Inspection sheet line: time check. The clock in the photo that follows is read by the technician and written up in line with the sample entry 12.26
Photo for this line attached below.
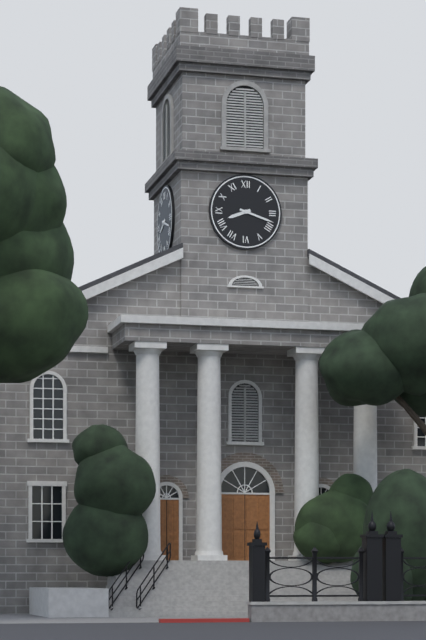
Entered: 8.18
